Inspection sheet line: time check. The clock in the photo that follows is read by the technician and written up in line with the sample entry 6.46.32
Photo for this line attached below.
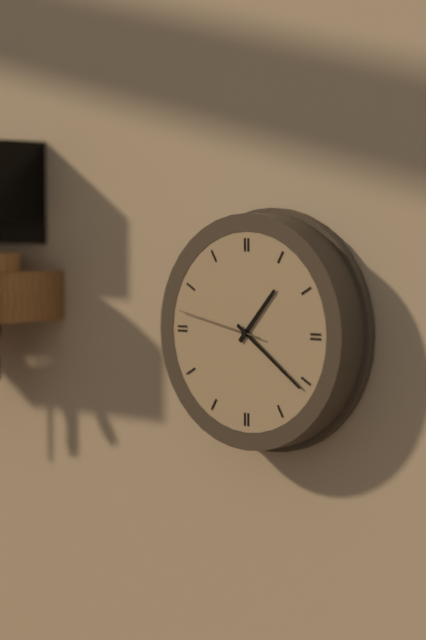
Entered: 1.21.47
